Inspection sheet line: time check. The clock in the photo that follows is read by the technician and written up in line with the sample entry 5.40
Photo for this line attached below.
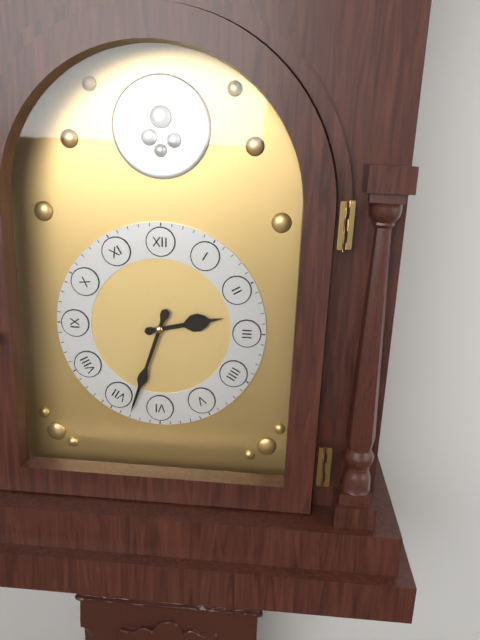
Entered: 2.33
